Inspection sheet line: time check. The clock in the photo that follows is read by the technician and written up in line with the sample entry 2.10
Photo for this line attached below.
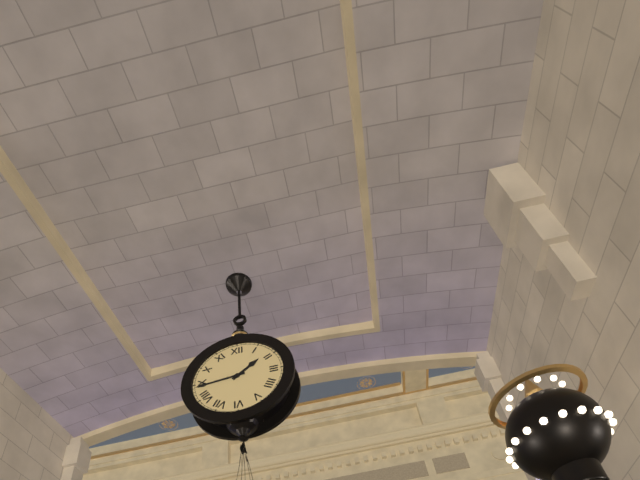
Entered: 1.44
